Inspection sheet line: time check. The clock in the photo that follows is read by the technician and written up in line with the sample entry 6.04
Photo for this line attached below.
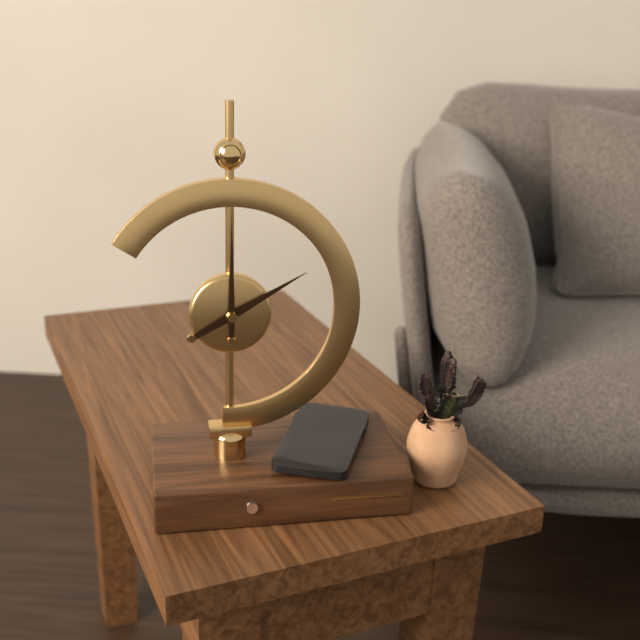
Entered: 2.00
